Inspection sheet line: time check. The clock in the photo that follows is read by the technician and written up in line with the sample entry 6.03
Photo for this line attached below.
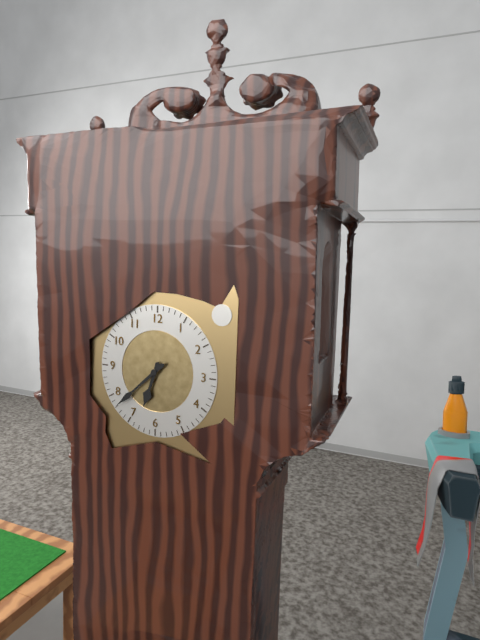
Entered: 6.38
